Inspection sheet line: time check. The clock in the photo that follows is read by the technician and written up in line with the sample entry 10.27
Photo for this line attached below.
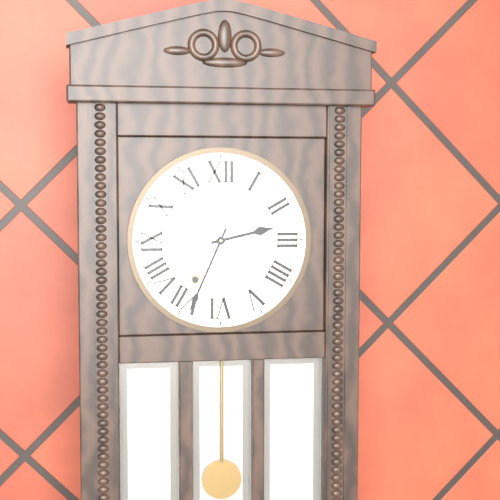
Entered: 2.34
